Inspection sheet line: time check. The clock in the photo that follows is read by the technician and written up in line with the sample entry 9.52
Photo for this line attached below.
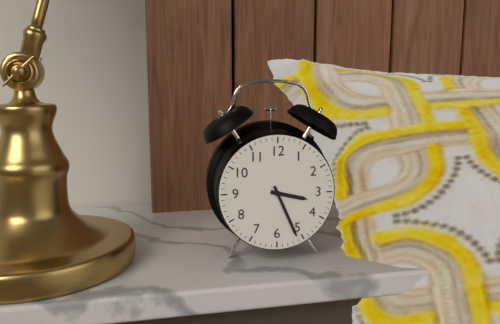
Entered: 3.26
